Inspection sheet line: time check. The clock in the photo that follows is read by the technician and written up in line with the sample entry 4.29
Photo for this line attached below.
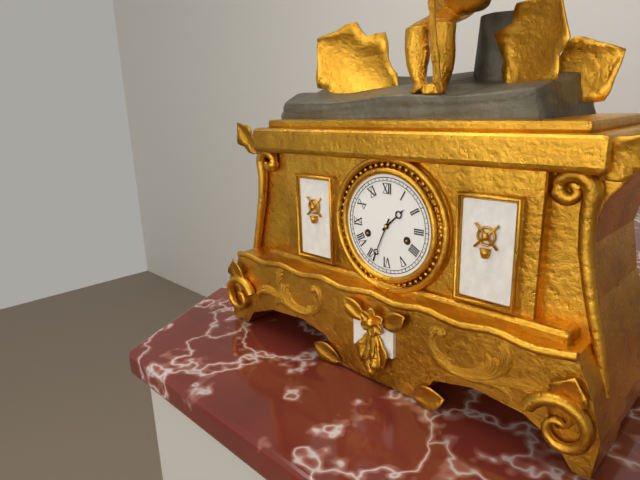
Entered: 1.34
